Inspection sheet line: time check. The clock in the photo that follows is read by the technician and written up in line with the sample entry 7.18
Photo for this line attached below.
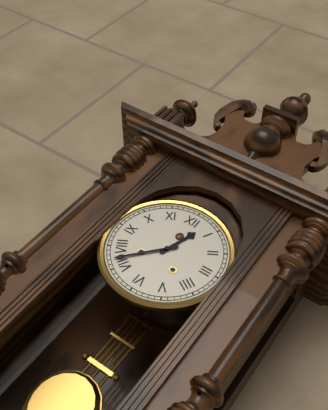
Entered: 12.37
